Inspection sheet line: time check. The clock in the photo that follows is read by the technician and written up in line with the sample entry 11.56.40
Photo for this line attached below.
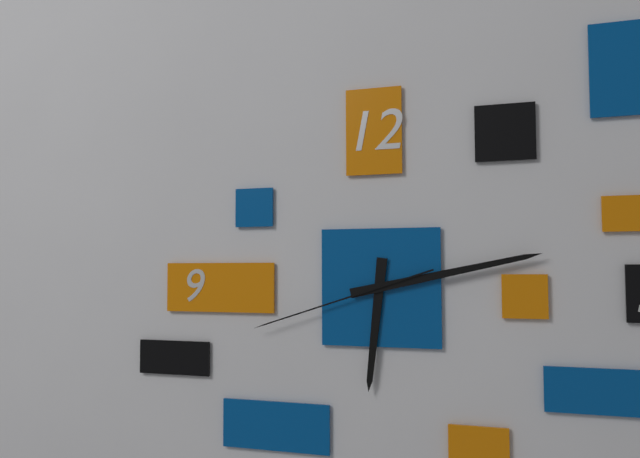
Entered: 6.13.42
